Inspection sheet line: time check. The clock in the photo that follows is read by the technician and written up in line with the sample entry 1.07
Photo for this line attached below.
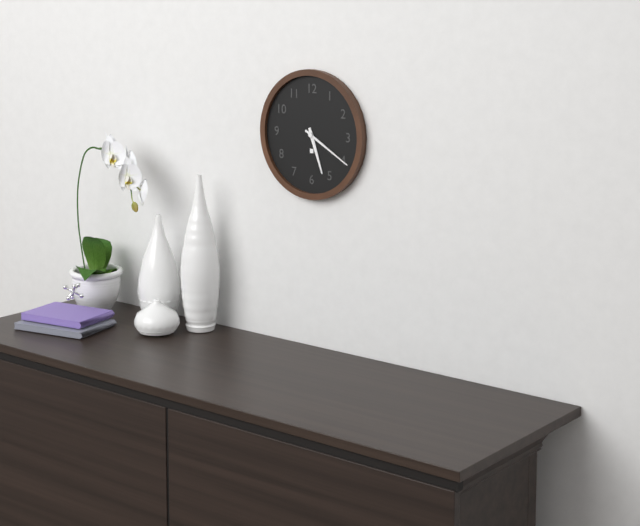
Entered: 5.20
